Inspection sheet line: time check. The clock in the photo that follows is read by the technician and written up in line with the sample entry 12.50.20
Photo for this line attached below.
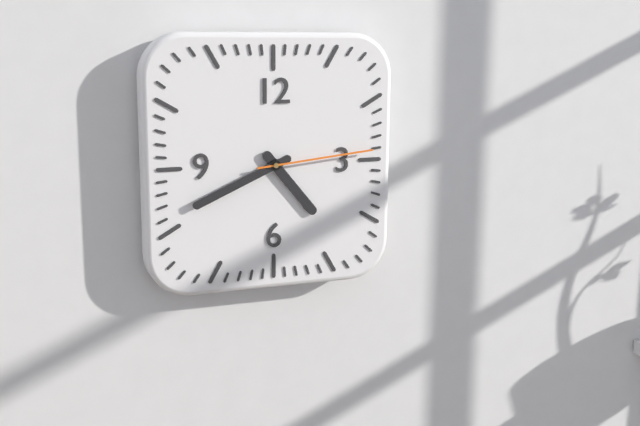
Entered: 4.41.14
